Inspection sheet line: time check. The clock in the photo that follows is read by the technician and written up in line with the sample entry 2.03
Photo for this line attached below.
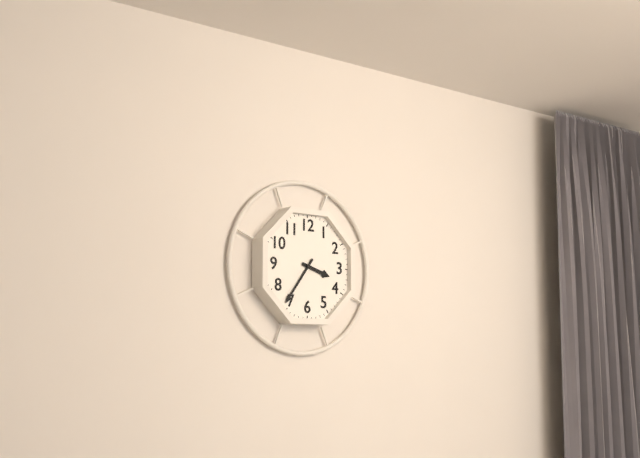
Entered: 3.36
